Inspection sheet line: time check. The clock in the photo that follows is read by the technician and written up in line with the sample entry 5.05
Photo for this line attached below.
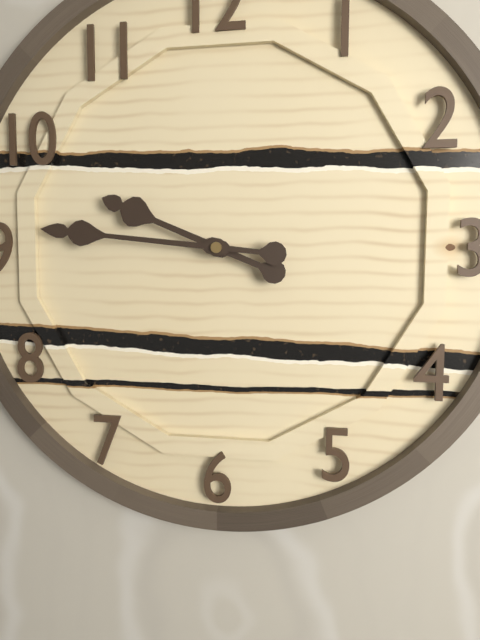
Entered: 9.46
